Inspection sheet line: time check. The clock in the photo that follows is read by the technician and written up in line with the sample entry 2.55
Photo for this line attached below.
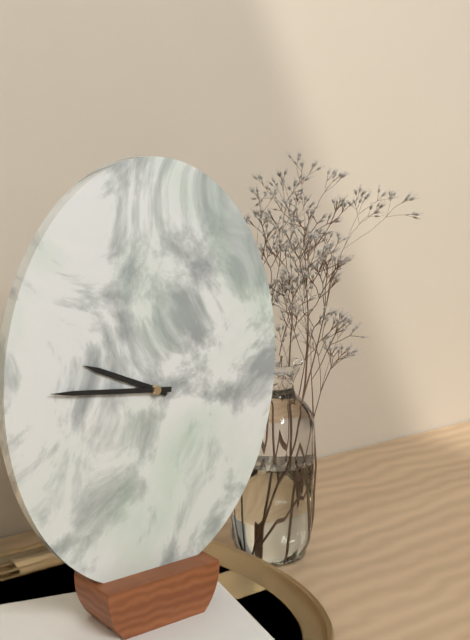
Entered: 9.46
